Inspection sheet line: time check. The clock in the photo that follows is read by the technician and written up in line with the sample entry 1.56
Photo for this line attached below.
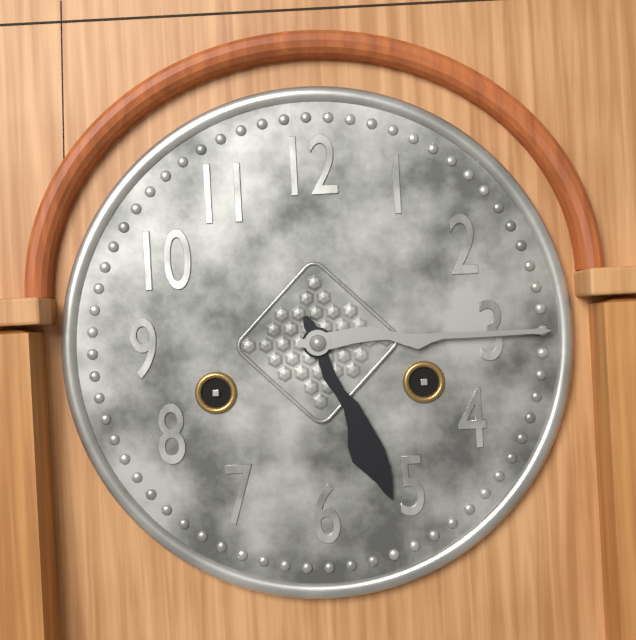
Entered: 5.15
